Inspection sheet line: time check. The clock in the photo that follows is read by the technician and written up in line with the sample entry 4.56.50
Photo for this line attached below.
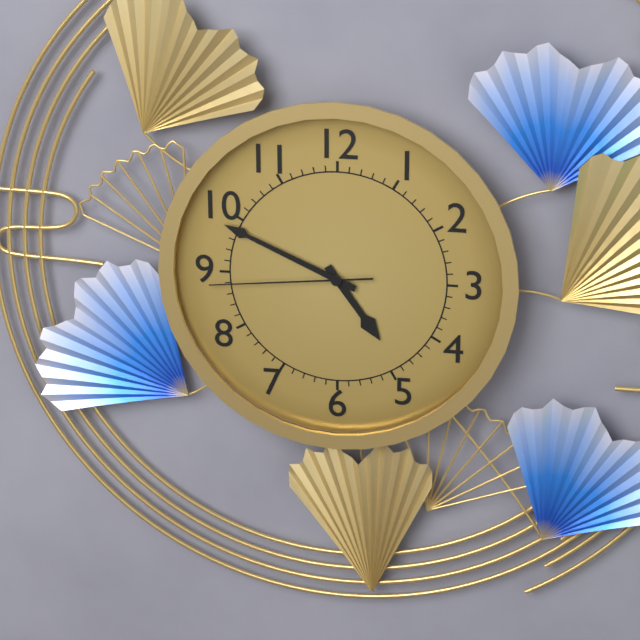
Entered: 4.49.44
